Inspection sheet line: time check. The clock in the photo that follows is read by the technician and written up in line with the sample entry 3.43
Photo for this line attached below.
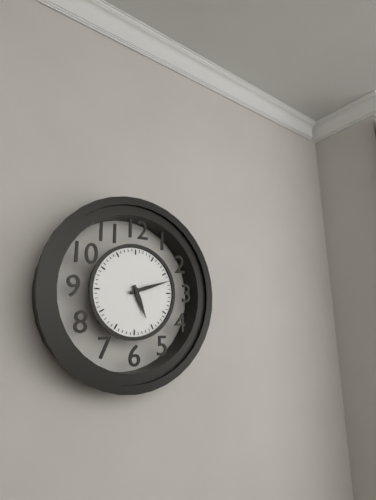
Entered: 5.12
